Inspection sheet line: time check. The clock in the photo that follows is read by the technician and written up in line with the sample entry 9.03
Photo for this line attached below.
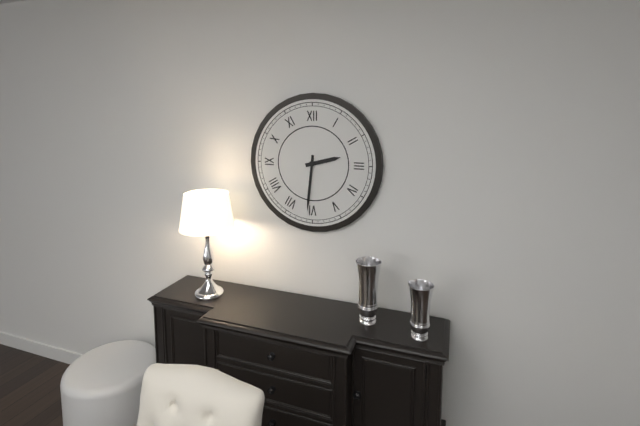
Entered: 2.31
